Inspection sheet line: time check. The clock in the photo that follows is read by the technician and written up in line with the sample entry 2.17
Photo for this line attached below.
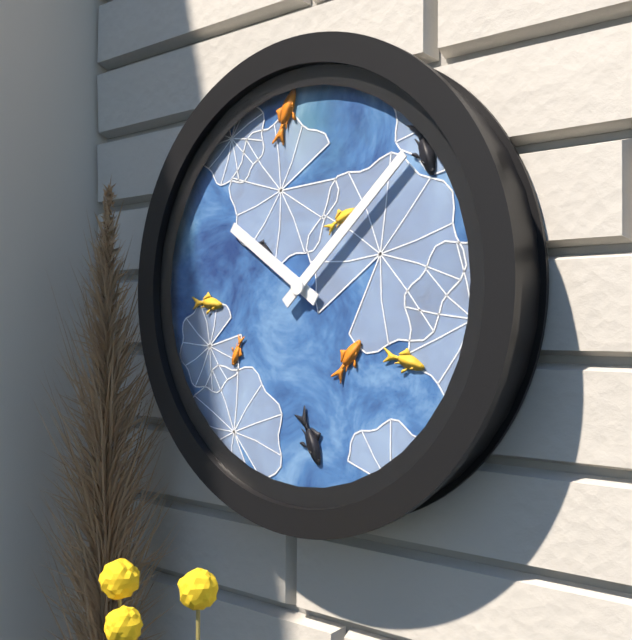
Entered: 10.08
